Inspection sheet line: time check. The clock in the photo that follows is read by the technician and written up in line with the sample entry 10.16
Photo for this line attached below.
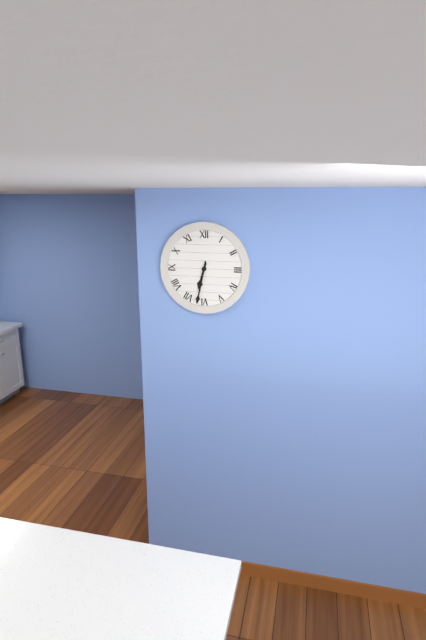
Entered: 6.32
